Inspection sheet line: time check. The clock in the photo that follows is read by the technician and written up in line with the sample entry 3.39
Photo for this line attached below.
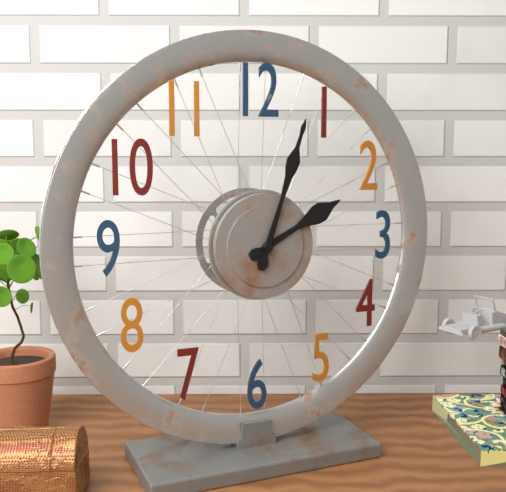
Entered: 2.03
